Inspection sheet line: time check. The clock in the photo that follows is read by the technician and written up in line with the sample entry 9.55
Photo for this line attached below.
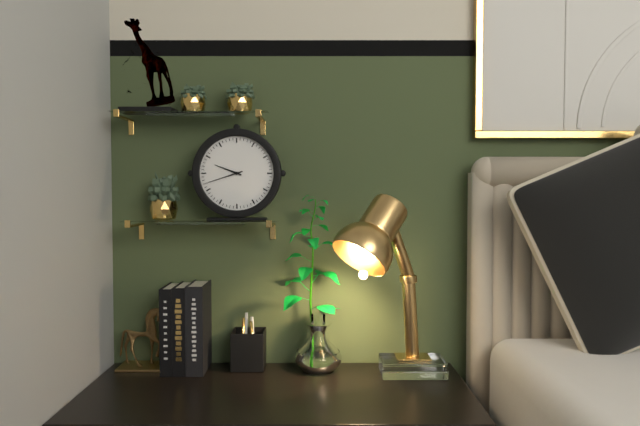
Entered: 9.42
